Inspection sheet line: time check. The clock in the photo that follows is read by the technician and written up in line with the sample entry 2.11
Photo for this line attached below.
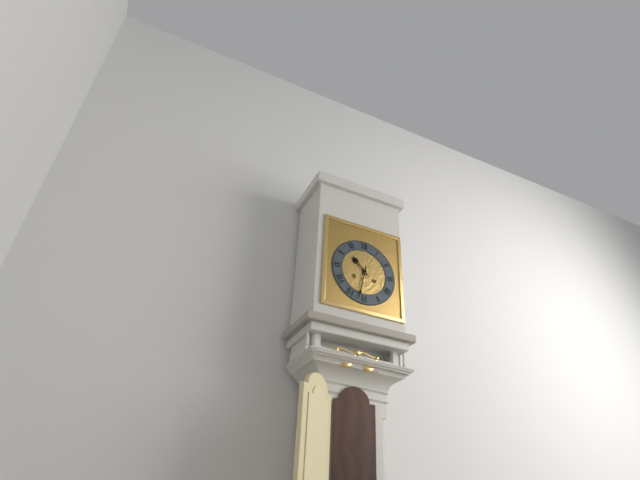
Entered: 10.32
